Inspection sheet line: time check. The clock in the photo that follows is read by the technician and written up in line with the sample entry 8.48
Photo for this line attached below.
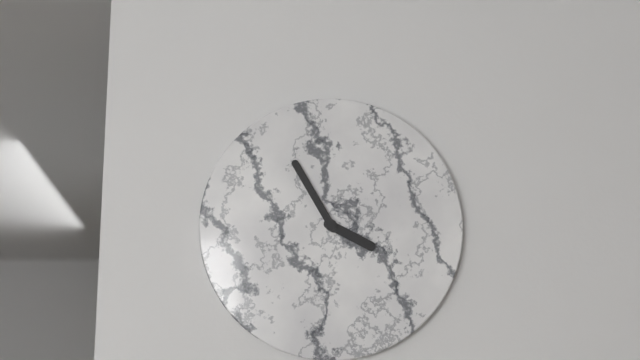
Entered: 3.55
